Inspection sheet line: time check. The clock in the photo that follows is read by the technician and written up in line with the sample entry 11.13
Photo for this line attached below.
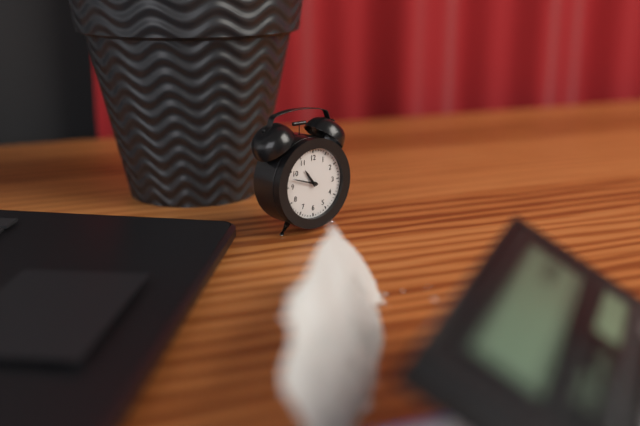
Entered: 10.48
